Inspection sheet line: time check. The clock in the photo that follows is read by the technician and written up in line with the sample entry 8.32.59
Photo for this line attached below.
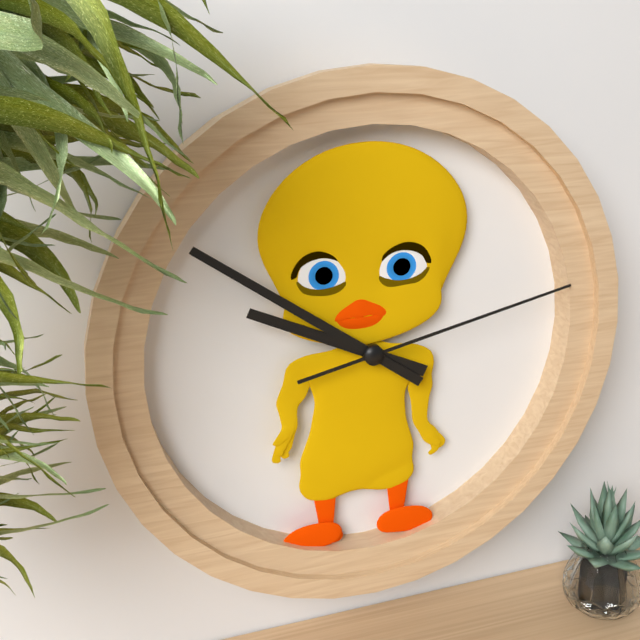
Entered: 9.51.13
